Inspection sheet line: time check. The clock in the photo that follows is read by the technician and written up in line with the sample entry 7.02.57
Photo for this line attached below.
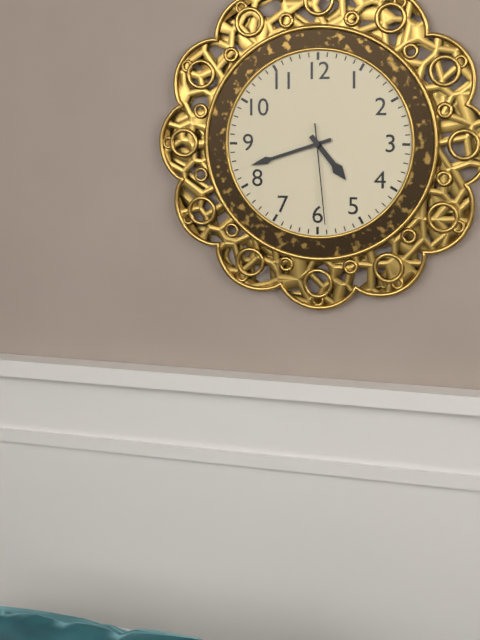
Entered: 4.42.29
